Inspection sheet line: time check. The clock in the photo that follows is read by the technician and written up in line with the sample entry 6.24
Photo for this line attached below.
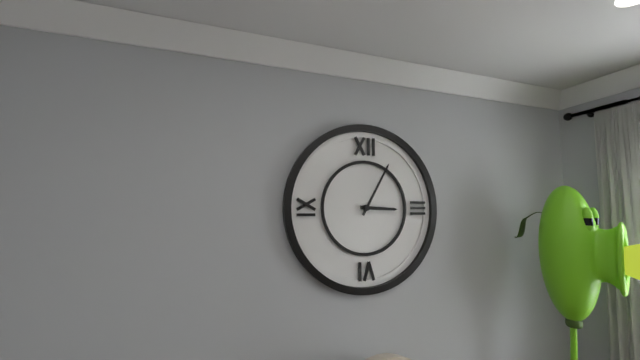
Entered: 3.05
